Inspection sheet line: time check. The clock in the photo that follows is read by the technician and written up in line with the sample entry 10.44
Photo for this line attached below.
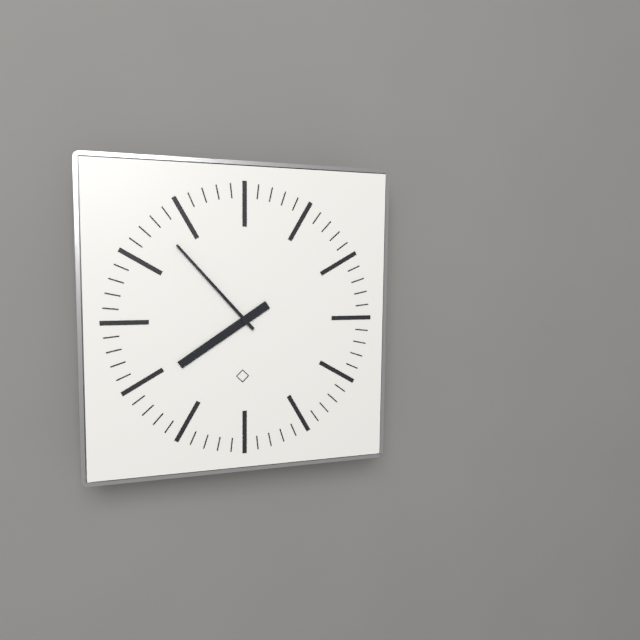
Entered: 7.53
